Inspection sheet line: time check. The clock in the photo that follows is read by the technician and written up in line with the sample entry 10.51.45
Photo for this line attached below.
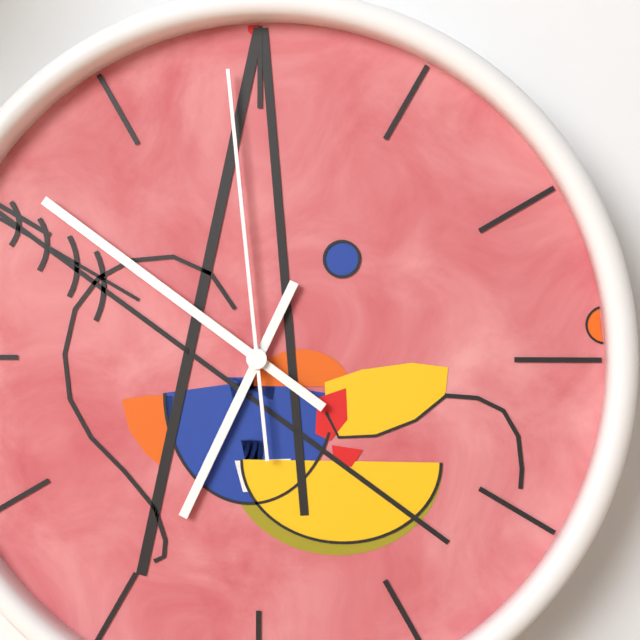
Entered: 6.51.59
